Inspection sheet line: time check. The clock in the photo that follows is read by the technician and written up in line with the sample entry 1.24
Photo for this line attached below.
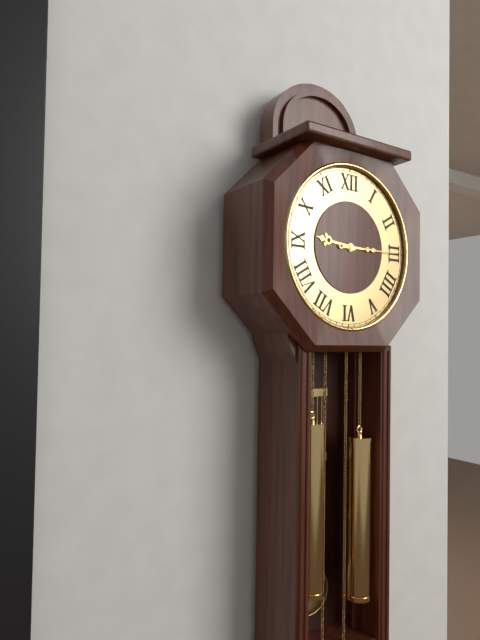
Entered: 9.15
